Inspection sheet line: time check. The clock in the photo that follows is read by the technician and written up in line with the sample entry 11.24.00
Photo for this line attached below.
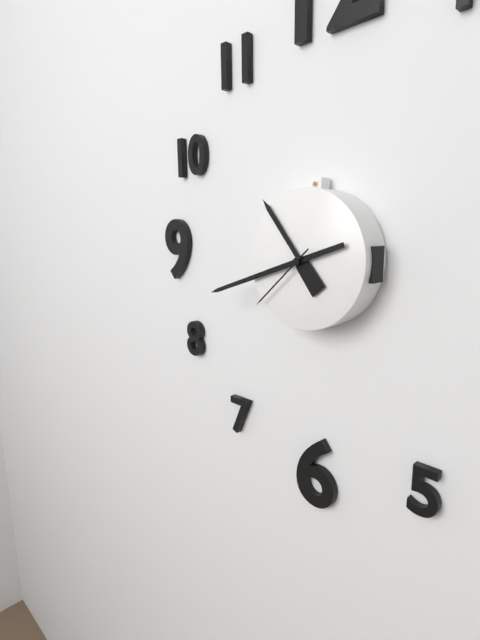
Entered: 10.42.38
